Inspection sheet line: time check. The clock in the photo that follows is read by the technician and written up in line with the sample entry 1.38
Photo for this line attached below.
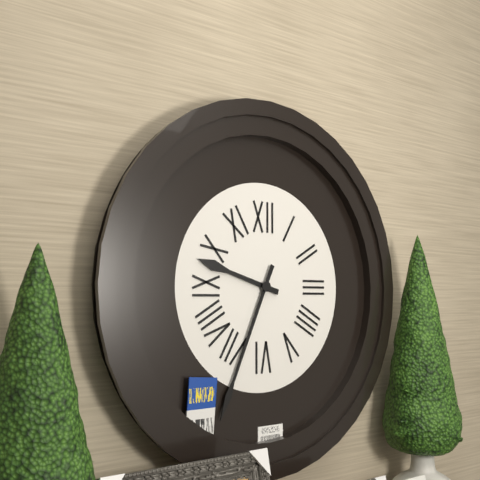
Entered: 9.34
